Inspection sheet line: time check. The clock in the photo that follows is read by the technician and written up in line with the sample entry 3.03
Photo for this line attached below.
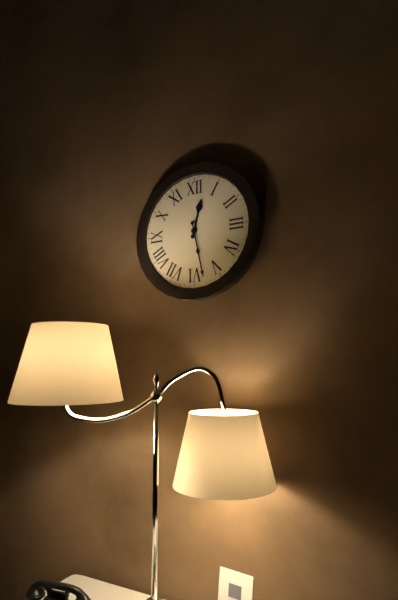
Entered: 12.28
